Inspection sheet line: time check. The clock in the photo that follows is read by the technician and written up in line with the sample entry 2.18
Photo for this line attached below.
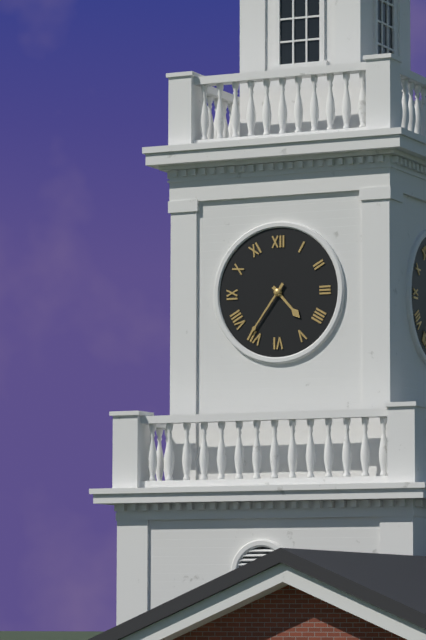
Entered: 4.36
